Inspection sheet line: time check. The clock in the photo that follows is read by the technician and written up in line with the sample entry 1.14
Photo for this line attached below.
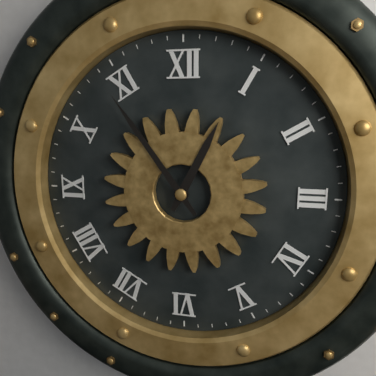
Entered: 12.54
